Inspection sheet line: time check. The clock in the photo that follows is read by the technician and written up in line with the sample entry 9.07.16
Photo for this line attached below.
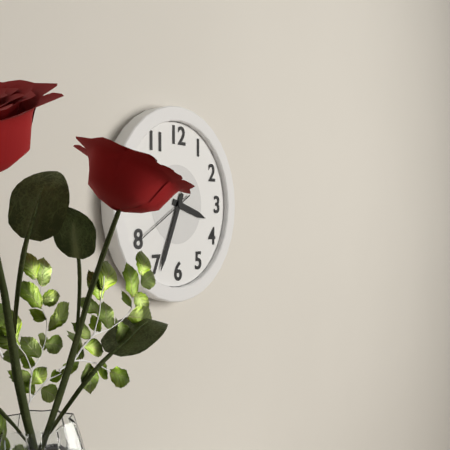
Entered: 3.34.40
